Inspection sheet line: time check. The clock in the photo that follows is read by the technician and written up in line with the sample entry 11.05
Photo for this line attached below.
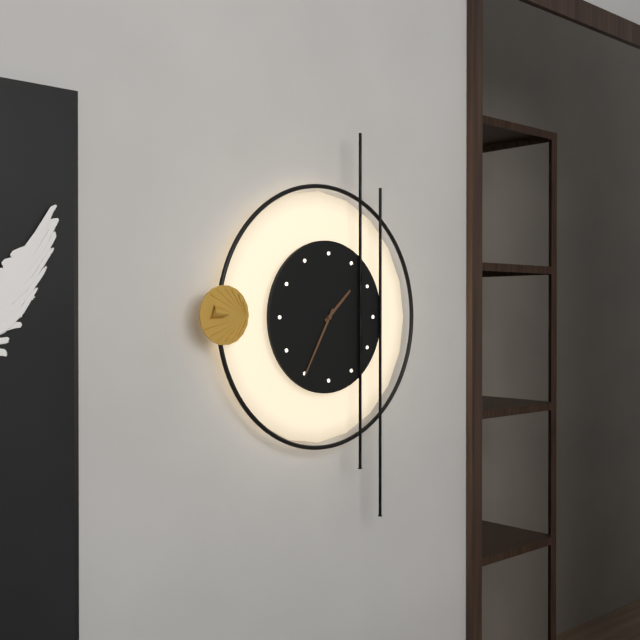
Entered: 1.35
